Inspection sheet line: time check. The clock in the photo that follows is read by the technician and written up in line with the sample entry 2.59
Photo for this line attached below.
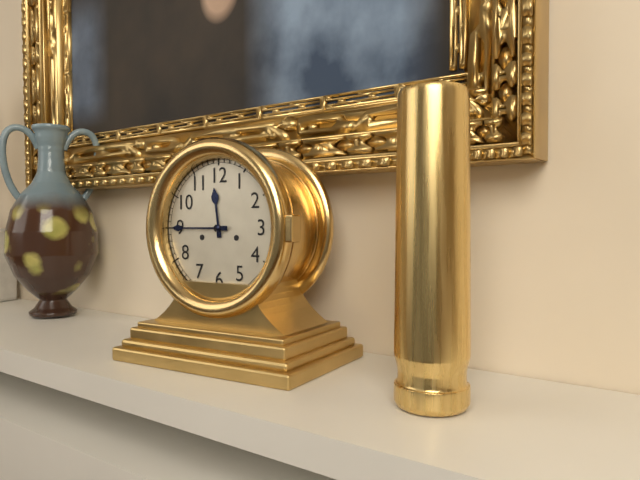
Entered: 11.45
